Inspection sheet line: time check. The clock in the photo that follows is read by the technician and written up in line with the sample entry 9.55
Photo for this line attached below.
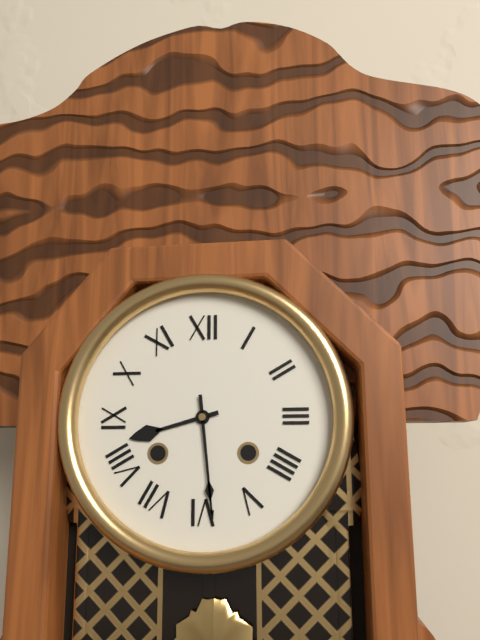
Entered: 8.29
